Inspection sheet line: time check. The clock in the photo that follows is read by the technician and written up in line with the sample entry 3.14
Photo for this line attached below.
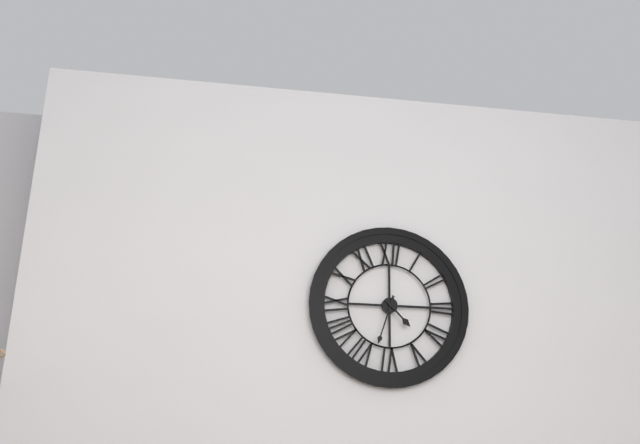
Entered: 4.33
